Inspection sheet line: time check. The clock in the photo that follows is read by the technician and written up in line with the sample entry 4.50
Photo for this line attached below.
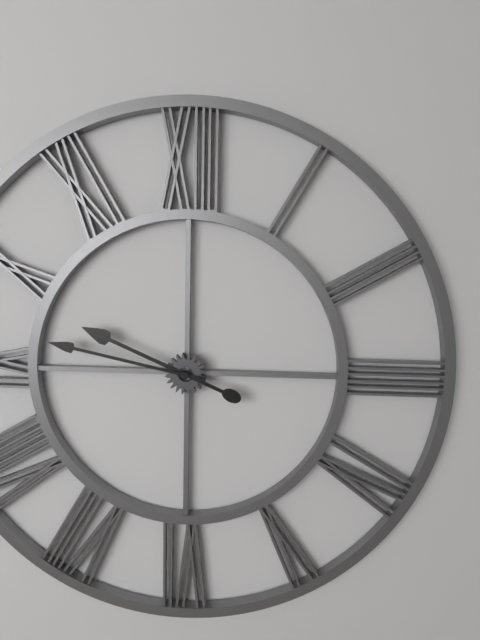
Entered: 9.47
